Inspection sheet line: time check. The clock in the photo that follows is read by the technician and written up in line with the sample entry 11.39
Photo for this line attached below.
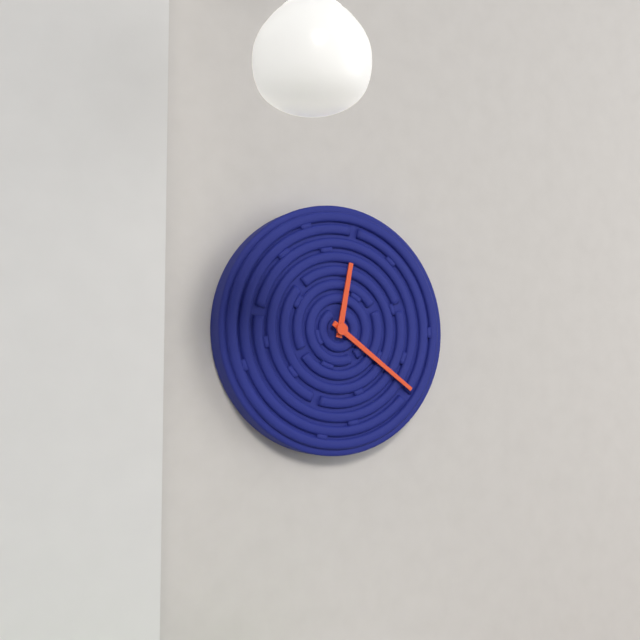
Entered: 12.21
